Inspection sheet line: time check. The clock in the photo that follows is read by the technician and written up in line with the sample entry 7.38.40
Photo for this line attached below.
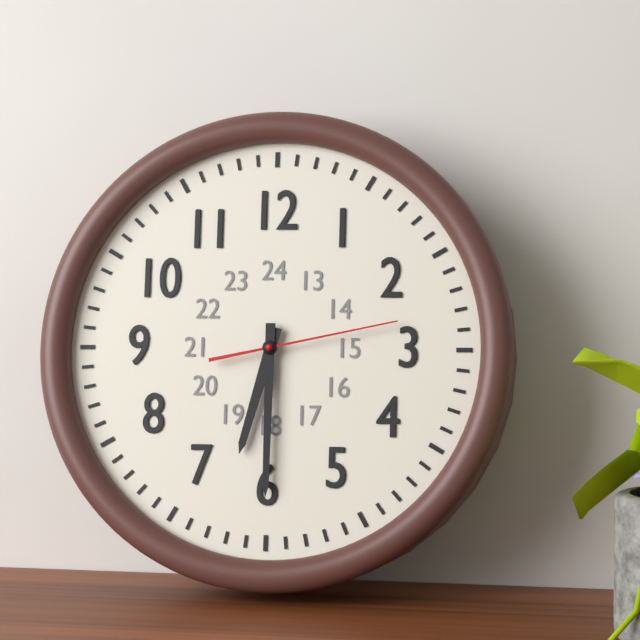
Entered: 6.30.13
